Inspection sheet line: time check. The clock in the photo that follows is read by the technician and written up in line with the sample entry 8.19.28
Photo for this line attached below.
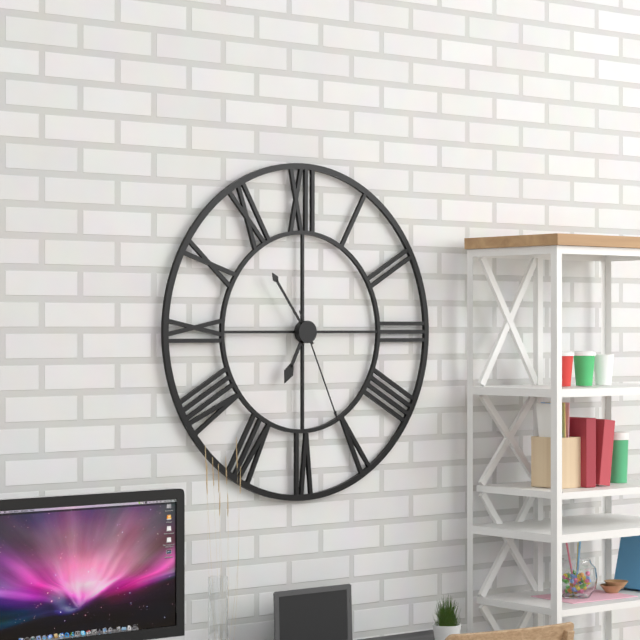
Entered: 6.54.26
